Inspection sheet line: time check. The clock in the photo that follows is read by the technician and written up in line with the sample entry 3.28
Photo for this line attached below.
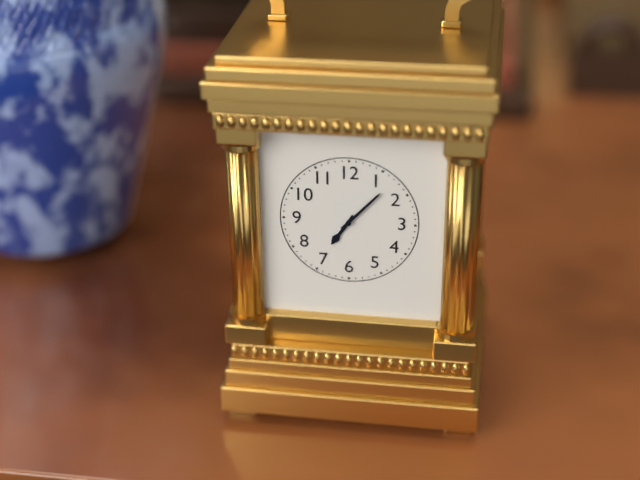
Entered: 7.07
